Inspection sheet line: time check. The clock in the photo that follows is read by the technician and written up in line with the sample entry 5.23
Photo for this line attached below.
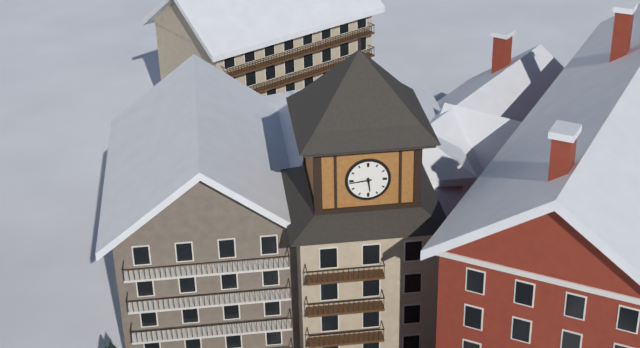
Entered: 5.44
